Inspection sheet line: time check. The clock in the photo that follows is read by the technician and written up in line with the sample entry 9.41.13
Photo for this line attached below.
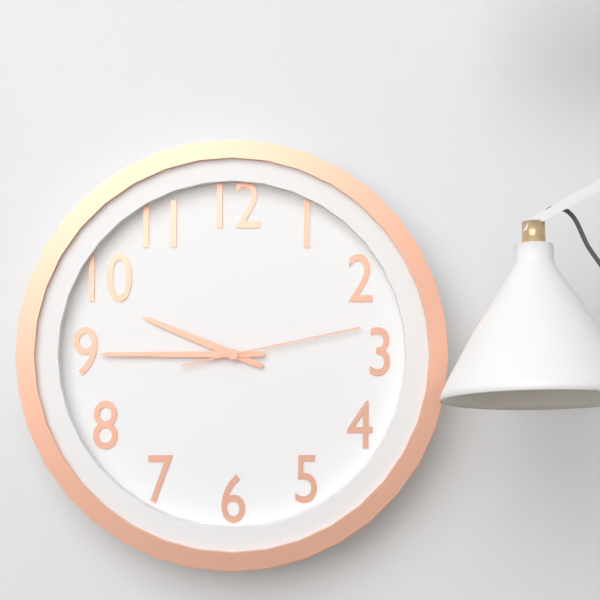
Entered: 9.45.13
